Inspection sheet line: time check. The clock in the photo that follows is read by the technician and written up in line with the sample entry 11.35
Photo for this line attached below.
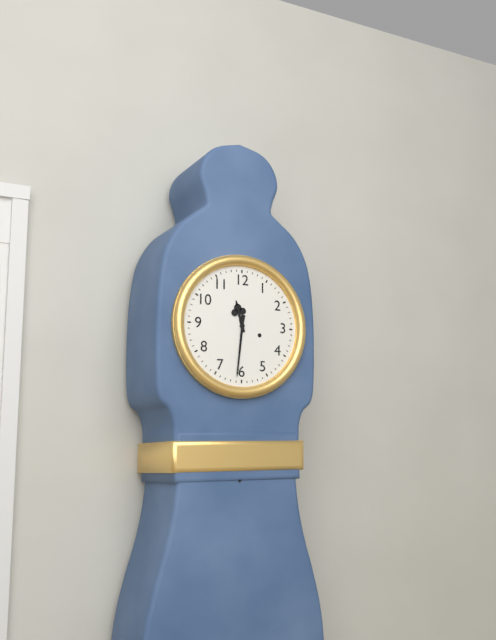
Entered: 11.31
